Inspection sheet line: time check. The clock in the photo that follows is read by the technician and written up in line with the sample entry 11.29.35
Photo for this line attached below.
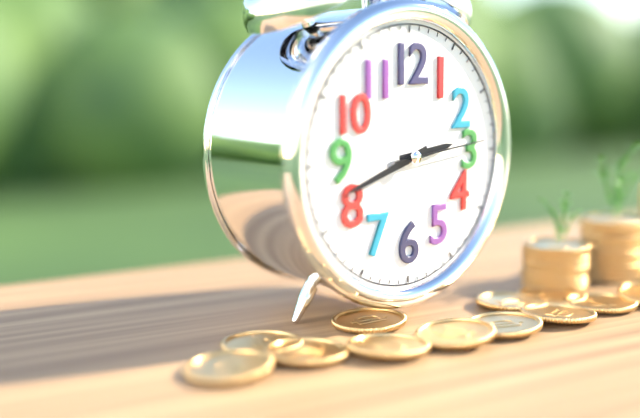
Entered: 2.42.14
